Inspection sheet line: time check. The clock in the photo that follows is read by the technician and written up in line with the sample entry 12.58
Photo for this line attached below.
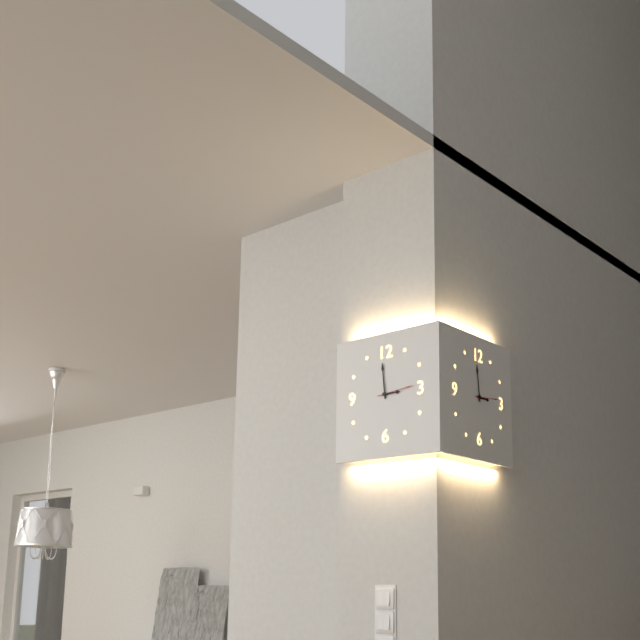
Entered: 2.59
